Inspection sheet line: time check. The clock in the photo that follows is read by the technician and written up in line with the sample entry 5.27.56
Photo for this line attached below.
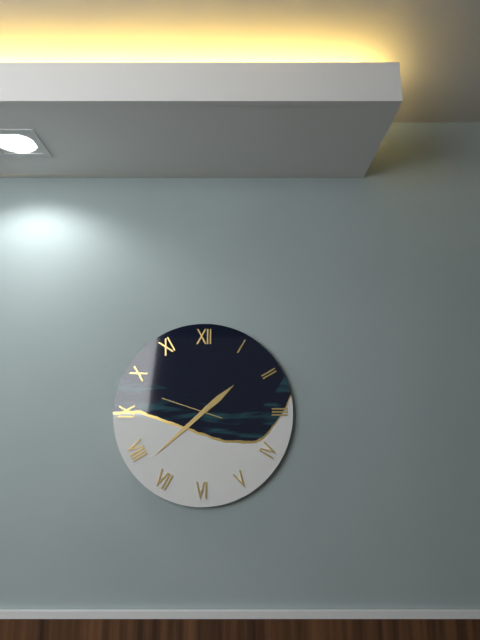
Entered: 1.38.48
